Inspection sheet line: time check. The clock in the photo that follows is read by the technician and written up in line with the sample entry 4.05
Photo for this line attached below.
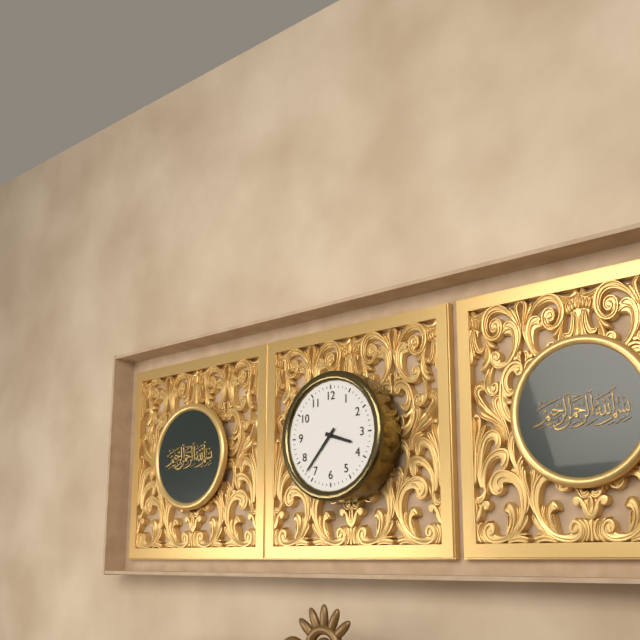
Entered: 3.37
